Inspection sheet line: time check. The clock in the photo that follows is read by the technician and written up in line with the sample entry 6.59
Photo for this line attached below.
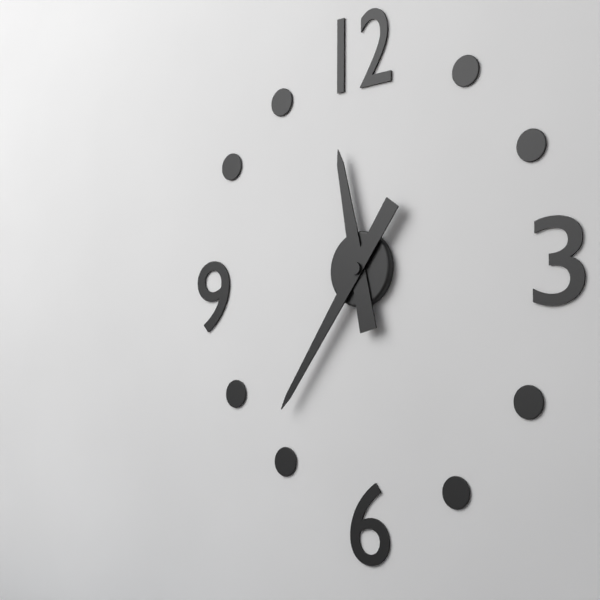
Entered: 11.36
